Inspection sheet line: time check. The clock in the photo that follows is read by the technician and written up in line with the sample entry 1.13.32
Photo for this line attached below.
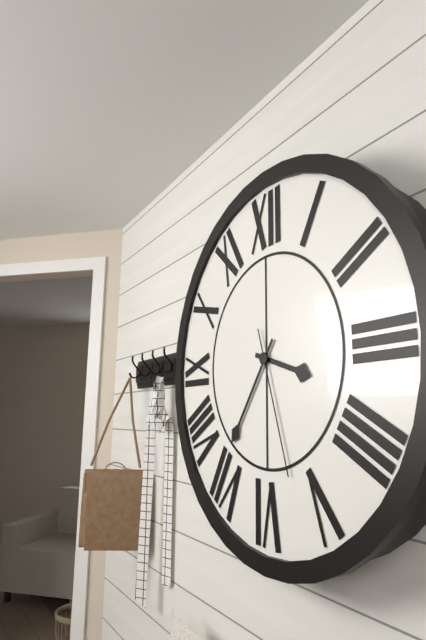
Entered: 3.36.27
